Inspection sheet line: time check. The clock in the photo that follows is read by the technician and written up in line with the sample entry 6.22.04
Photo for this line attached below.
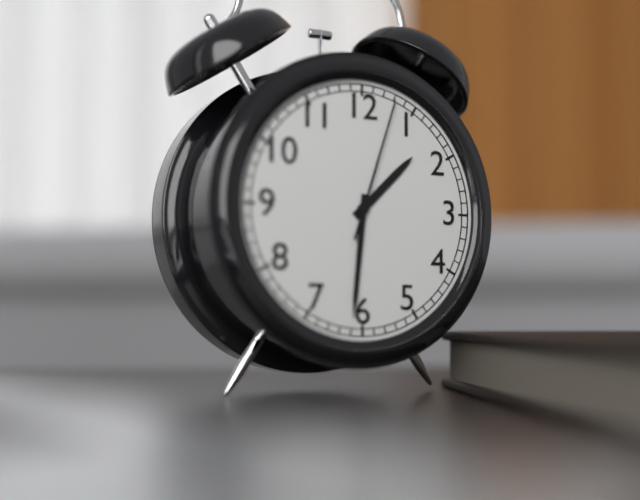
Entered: 1.31.03
